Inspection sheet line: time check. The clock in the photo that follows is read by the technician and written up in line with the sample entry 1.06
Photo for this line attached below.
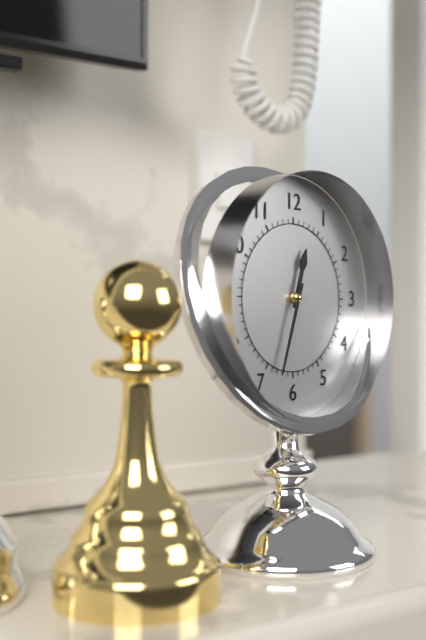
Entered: 12.33
